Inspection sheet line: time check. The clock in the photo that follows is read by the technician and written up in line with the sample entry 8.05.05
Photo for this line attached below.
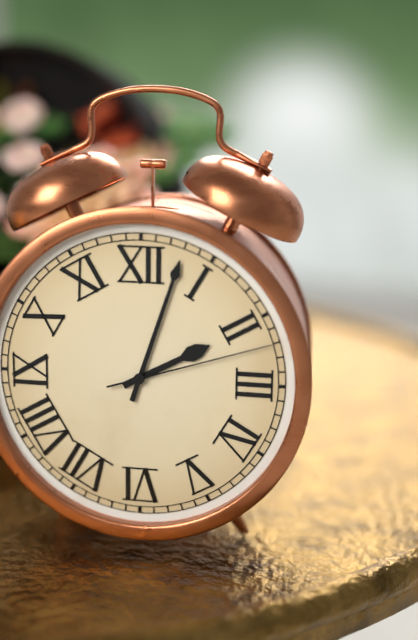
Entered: 2.03.12
